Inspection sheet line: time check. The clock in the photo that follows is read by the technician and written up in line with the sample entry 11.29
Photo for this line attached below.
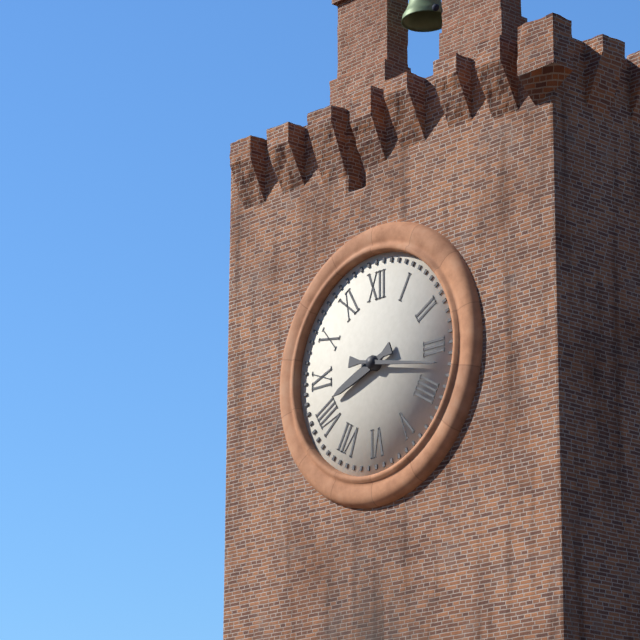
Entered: 8.17
